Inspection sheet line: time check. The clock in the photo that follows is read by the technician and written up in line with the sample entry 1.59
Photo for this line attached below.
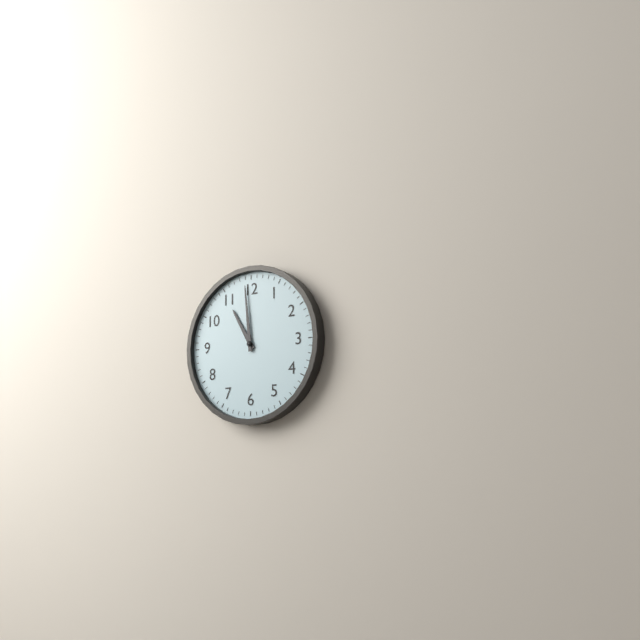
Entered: 10.59
